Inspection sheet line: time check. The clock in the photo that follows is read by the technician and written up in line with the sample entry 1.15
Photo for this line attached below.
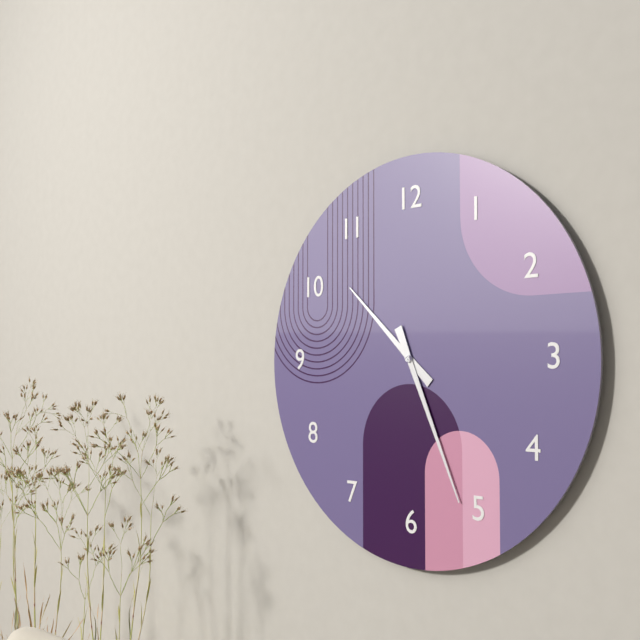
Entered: 10.26
